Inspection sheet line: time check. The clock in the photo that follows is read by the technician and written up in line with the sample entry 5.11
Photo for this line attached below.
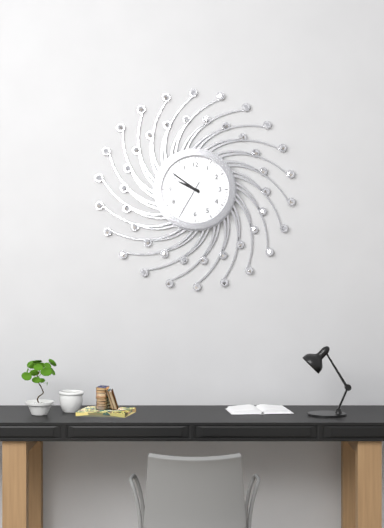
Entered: 9.51
